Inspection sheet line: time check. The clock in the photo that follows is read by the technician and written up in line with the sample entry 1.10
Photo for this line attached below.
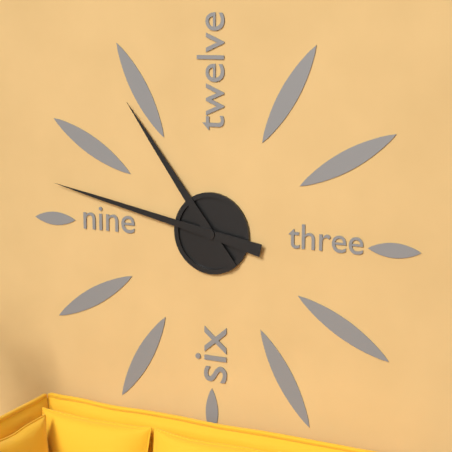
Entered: 10.47
